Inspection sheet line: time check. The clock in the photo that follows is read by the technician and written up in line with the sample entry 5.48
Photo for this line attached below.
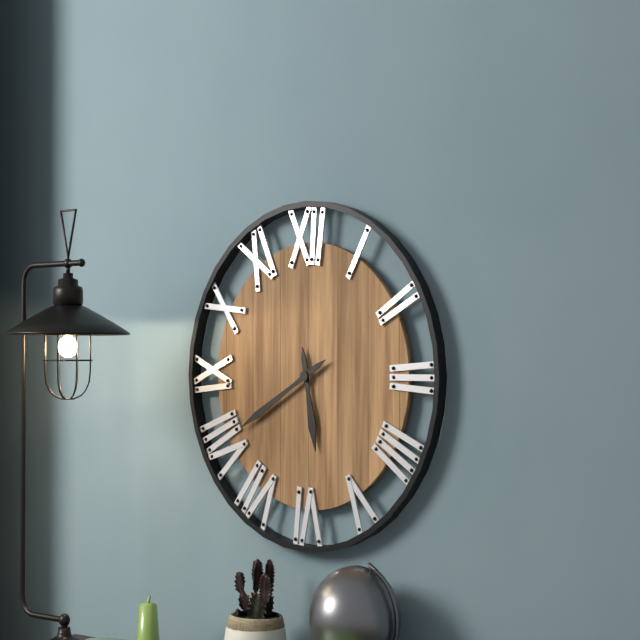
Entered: 5.40
